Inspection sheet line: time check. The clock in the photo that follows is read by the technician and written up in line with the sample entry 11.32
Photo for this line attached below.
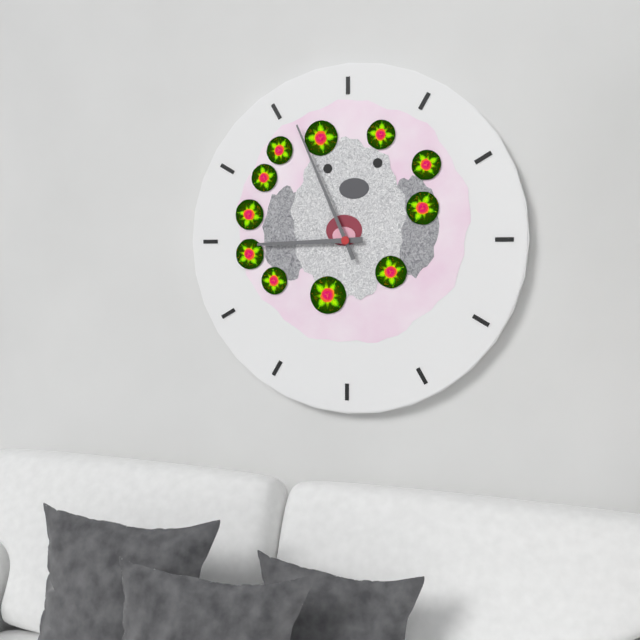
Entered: 8.56
